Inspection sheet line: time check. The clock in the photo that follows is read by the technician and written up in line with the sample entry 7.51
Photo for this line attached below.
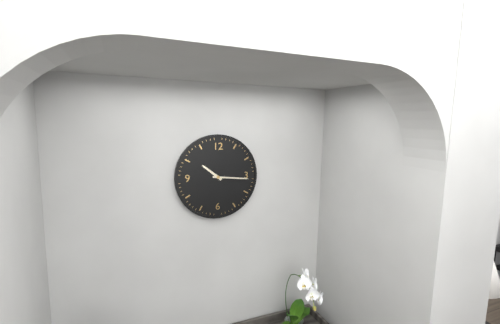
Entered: 10.16
